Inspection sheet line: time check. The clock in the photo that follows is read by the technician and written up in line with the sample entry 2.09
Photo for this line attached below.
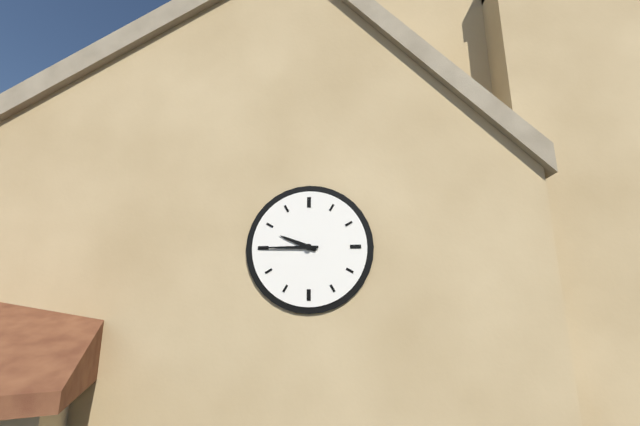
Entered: 9.45
